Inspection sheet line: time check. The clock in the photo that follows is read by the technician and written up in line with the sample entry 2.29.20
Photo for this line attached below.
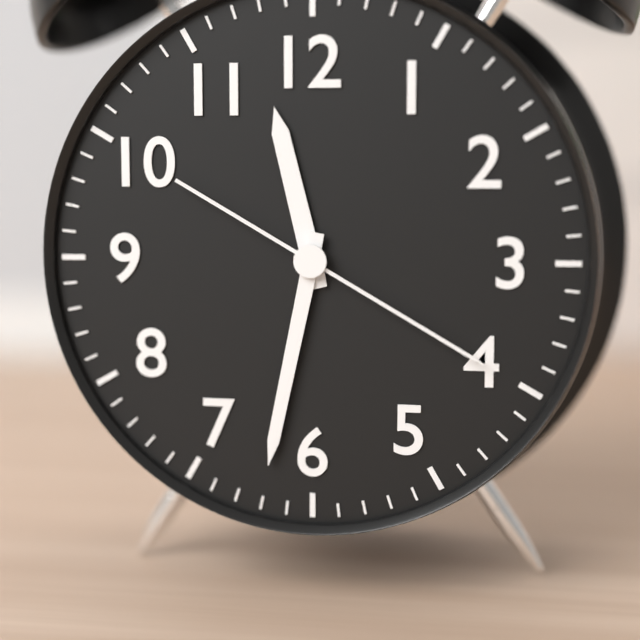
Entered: 11.32.20
